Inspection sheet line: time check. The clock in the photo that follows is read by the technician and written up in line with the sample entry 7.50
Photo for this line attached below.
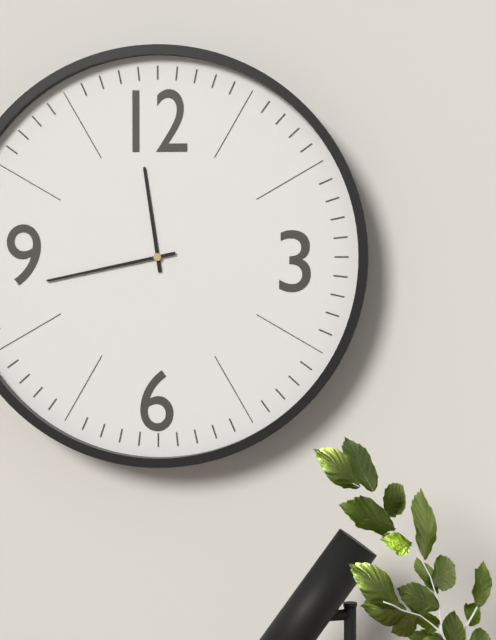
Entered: 11.43
